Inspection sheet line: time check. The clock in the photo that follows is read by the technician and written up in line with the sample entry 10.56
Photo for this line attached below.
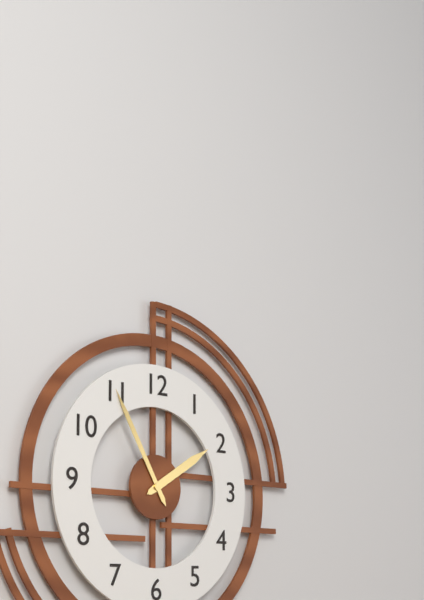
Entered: 1.55
